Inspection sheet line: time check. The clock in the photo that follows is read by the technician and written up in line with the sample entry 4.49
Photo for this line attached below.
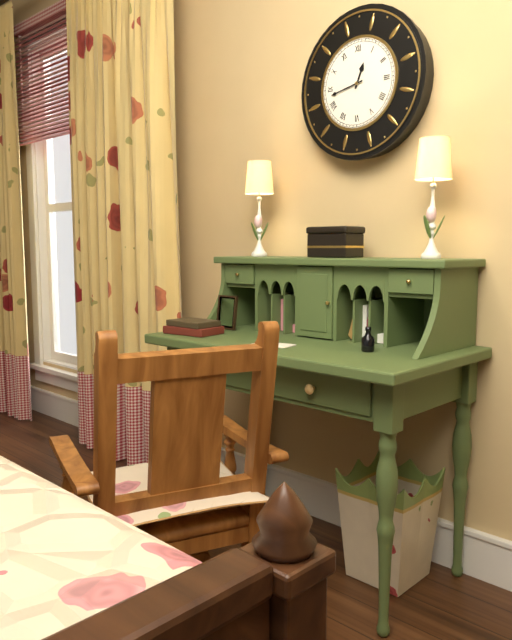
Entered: 12.43
